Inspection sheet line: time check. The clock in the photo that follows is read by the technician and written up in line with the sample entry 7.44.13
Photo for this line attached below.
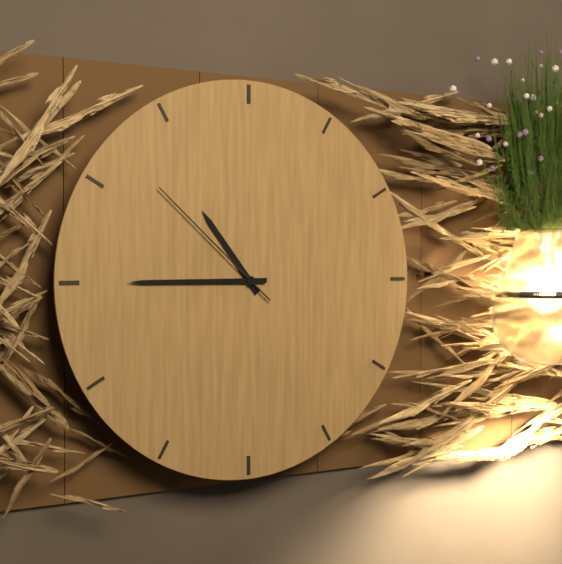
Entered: 10.45.52
